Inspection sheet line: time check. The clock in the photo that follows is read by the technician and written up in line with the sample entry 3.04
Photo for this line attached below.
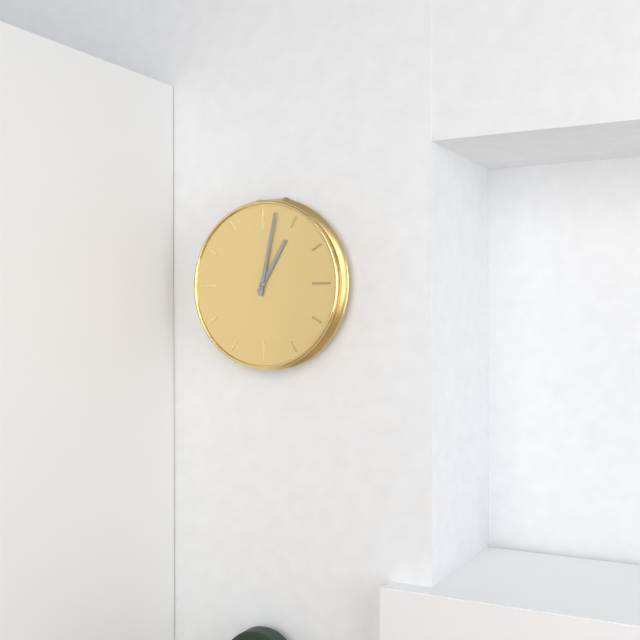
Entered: 1.02
